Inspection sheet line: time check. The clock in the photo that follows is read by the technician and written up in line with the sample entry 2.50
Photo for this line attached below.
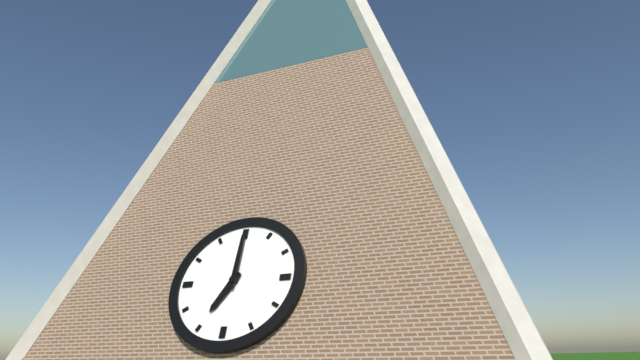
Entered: 7.00
